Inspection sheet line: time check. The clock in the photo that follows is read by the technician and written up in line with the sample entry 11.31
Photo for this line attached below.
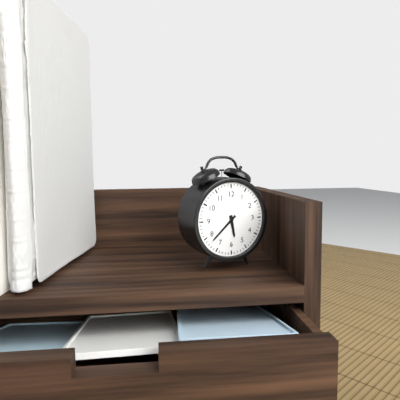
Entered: 5.38
